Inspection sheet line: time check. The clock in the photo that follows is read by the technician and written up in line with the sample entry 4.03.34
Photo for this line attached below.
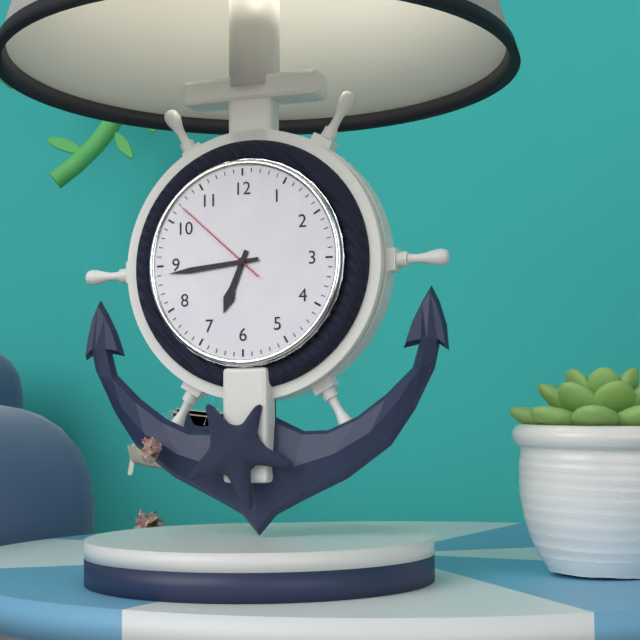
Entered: 6.44.52
